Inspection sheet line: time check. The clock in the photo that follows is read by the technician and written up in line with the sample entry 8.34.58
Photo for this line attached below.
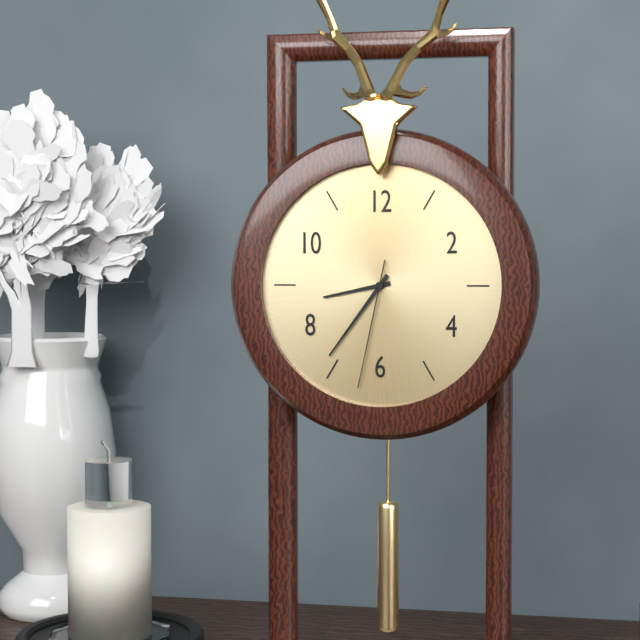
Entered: 8.36.32
